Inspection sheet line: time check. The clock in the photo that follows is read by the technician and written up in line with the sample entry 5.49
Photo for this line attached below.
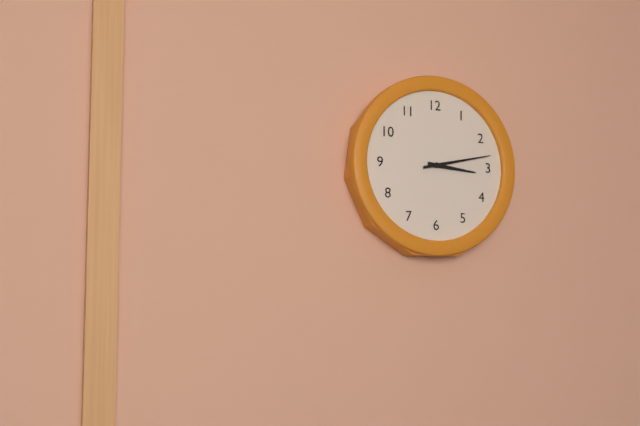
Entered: 3.13
